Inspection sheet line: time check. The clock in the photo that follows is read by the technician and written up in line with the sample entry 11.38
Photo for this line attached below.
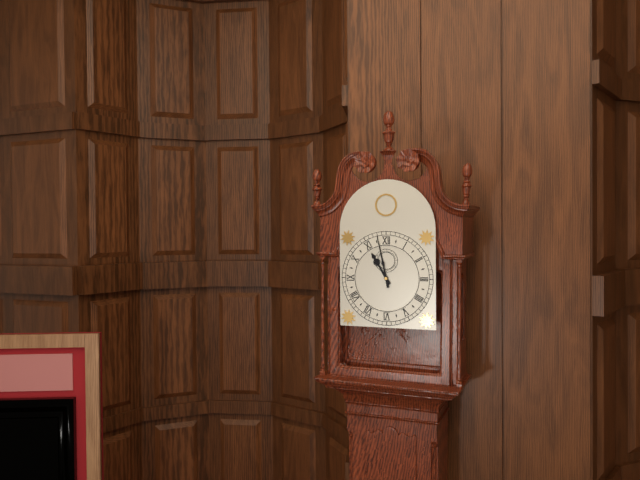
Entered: 10.58
